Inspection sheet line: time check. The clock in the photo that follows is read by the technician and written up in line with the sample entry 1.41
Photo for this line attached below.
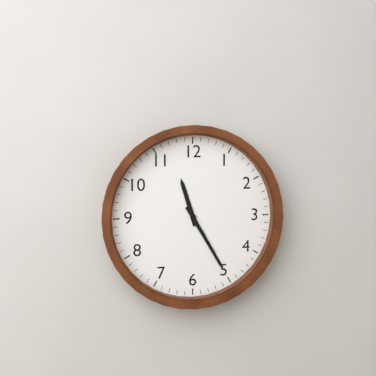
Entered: 11.25
